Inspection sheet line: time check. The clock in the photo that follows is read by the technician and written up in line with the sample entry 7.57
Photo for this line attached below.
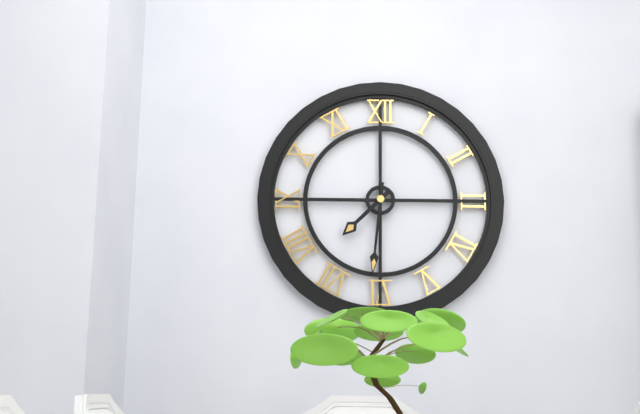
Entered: 7.31
